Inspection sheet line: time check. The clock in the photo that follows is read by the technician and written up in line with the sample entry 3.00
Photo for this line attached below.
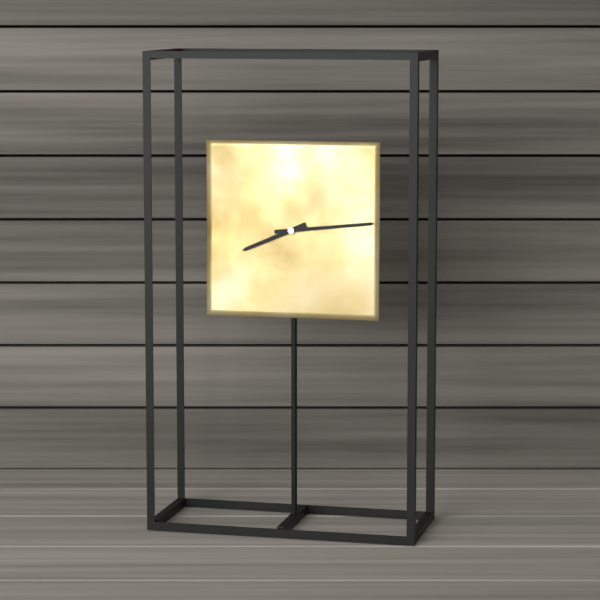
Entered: 8.14
